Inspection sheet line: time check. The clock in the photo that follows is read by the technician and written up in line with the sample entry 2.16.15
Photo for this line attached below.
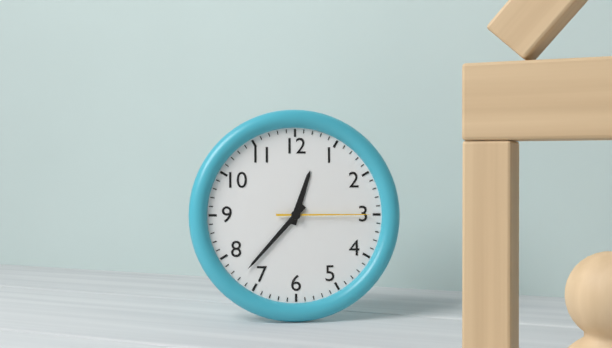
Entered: 12.37.15
